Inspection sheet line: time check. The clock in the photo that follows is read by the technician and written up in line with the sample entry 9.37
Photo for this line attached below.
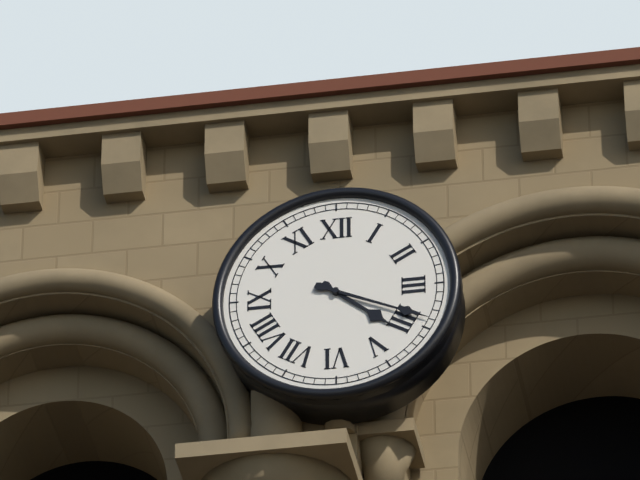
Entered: 4.19
